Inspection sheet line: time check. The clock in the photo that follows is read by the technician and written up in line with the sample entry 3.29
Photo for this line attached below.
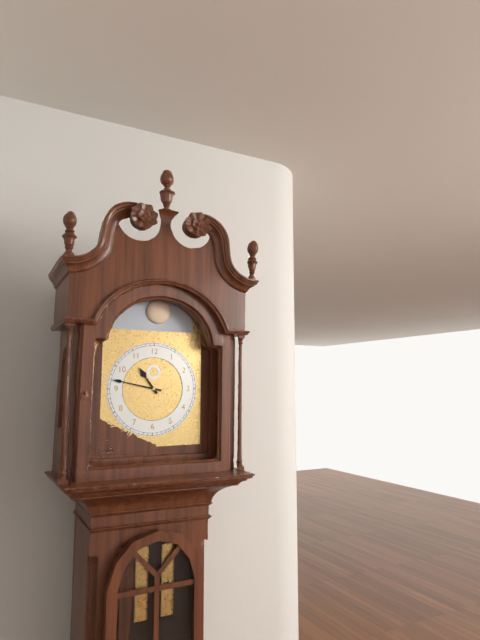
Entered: 10.47
